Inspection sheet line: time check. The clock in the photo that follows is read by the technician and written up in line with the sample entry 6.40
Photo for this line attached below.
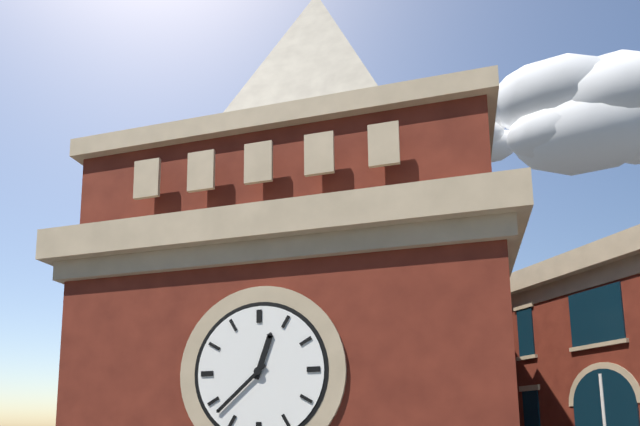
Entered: 12.38
